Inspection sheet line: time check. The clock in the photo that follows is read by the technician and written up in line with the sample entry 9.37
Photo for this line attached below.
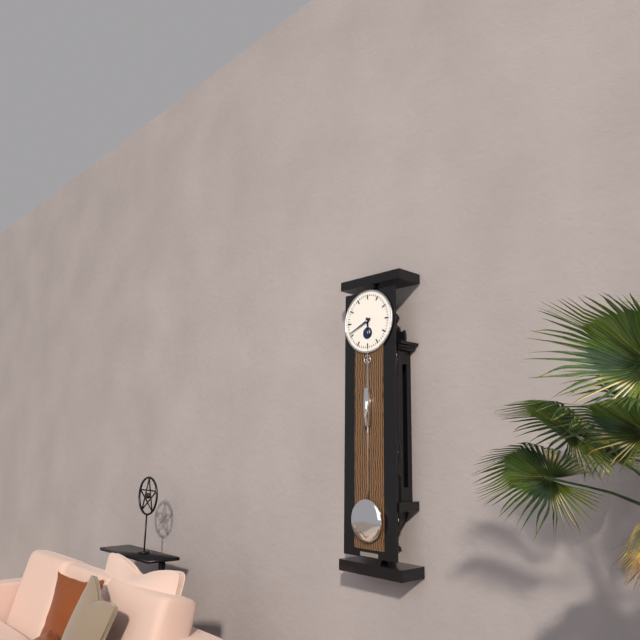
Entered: 5.41
